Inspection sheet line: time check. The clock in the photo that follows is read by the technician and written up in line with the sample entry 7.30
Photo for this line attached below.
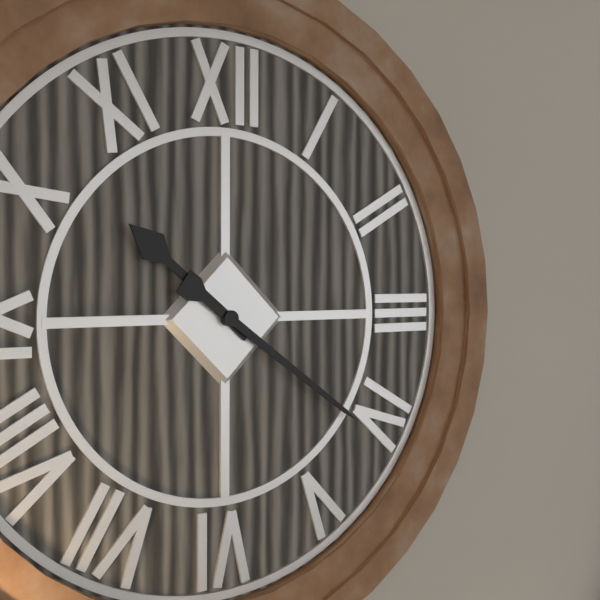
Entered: 10.21
